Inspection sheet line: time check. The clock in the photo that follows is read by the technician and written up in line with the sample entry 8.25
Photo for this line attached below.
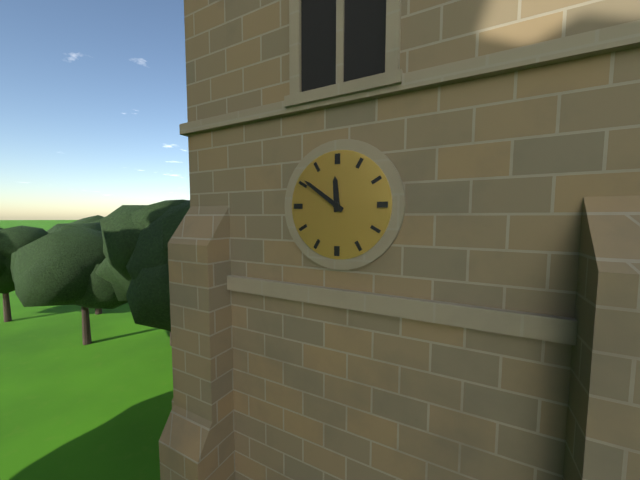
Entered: 11.51
